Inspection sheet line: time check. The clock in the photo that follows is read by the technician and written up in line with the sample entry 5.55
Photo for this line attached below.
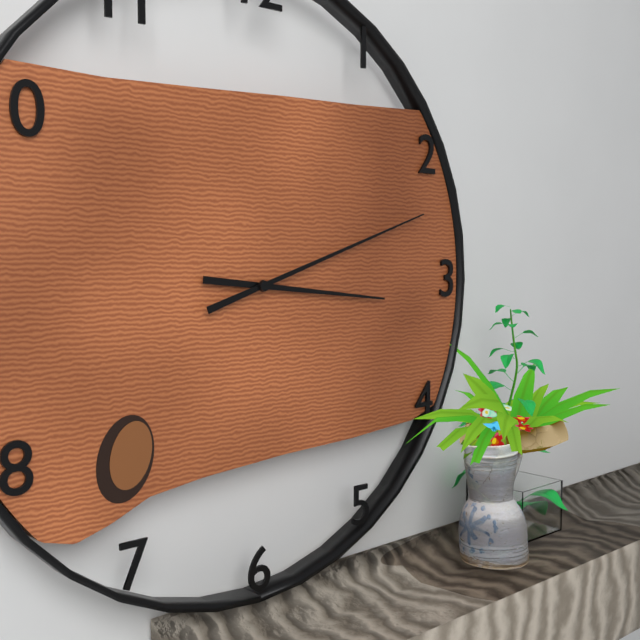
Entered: 3.12
